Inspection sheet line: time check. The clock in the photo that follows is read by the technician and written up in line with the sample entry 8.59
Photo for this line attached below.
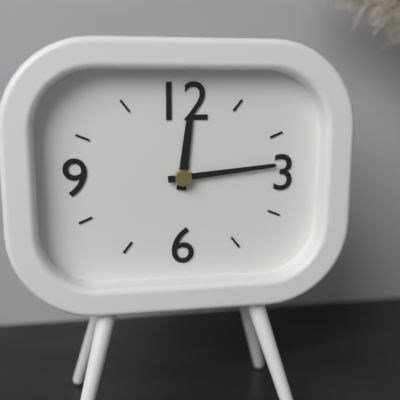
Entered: 12.14
